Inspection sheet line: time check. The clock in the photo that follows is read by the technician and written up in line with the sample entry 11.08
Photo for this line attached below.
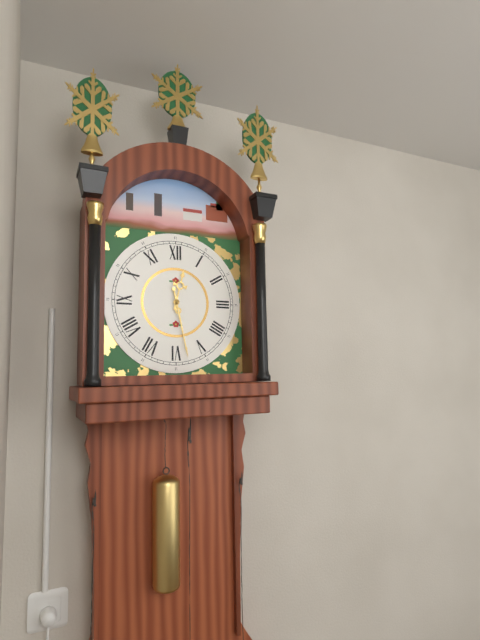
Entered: 12.28
